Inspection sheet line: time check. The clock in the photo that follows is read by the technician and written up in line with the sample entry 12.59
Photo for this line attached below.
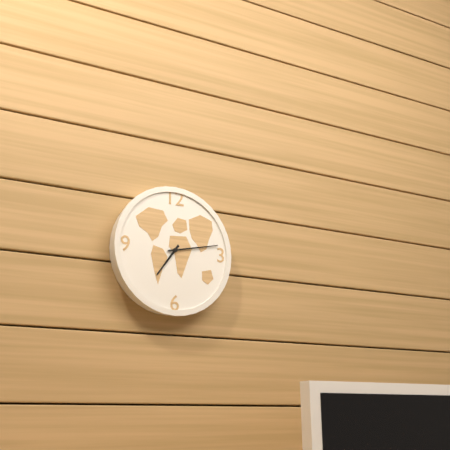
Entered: 7.13
